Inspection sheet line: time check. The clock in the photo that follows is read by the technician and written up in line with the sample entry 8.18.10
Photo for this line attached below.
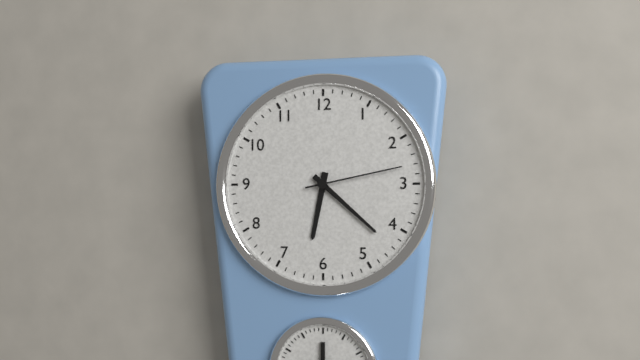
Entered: 6.22.13
